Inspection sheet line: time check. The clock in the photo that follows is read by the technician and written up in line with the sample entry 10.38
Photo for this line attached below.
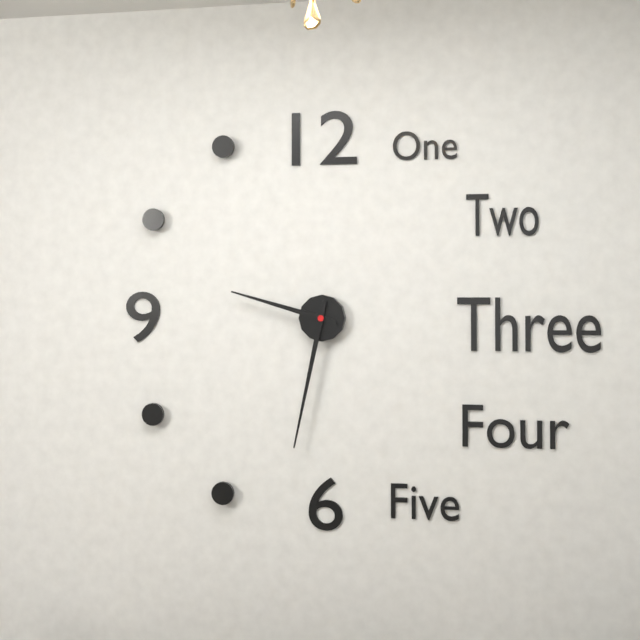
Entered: 9.32
